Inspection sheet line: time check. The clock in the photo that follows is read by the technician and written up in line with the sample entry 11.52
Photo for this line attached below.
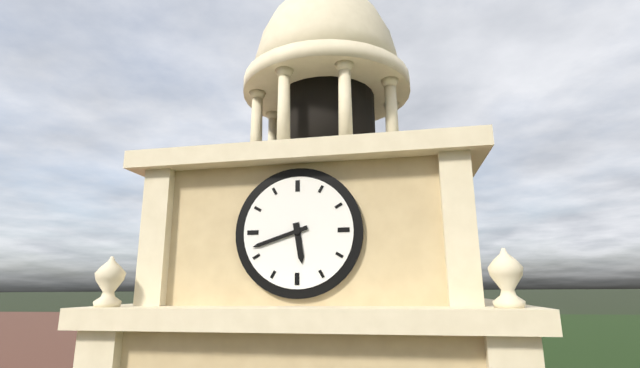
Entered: 5.42
